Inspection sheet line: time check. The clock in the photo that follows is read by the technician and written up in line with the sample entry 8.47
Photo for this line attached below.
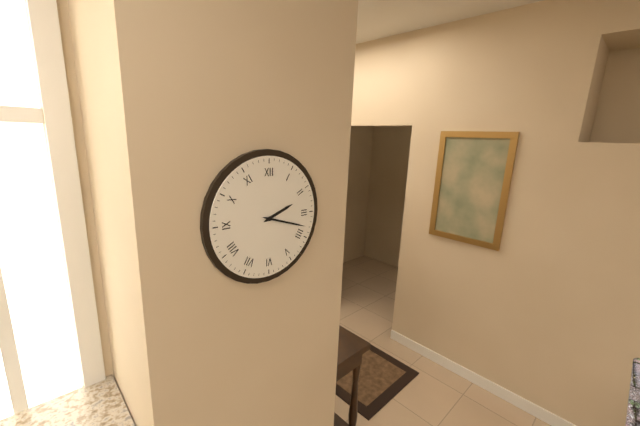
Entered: 2.18
